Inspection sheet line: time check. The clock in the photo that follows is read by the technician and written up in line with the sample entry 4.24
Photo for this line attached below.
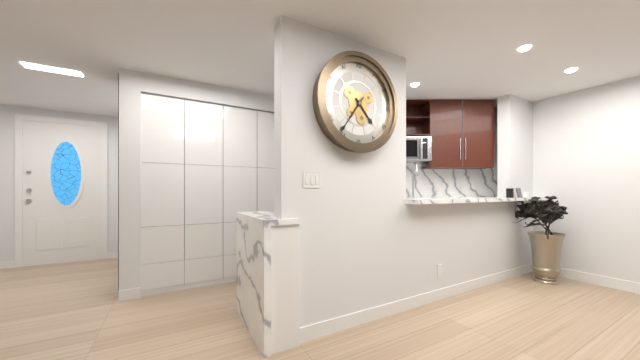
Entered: 4.36
